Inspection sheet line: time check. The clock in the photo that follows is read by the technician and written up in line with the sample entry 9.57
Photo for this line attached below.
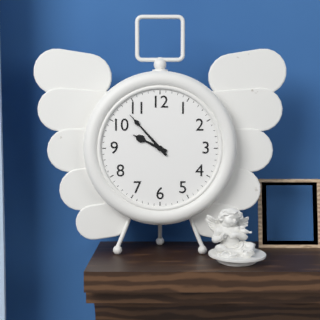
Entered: 9.53
